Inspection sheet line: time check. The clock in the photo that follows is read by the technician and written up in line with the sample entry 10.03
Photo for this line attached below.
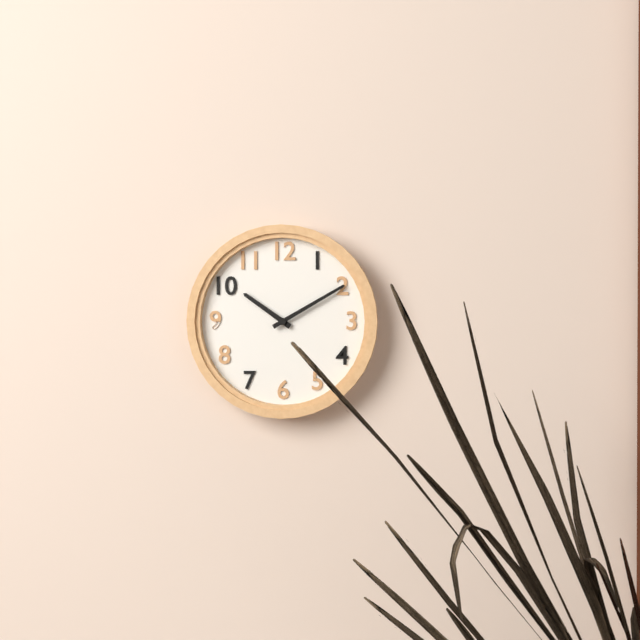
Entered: 10.10
